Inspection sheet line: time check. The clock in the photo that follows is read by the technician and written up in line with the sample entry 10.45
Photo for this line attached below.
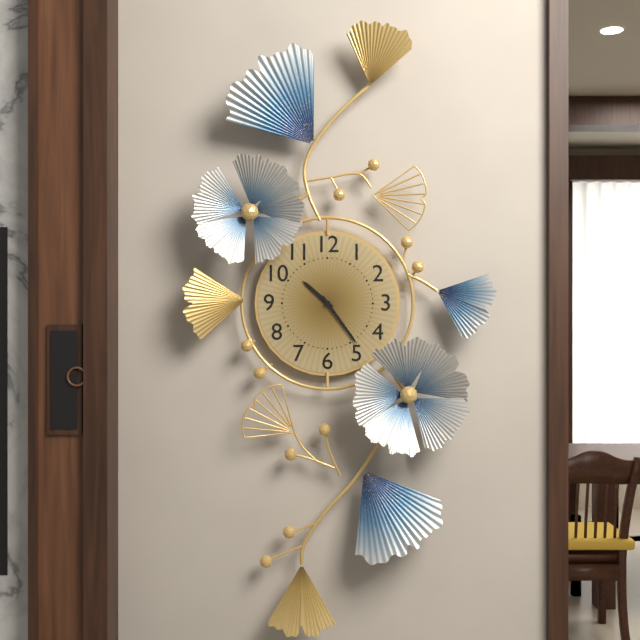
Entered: 10.24
